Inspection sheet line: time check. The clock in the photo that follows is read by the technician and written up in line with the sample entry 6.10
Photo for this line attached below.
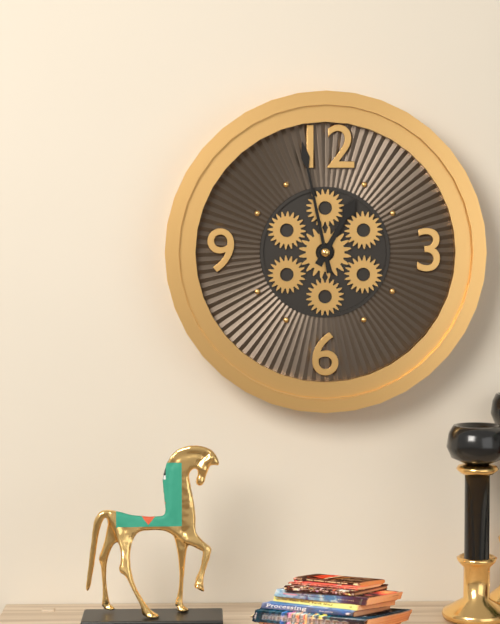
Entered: 12.58
